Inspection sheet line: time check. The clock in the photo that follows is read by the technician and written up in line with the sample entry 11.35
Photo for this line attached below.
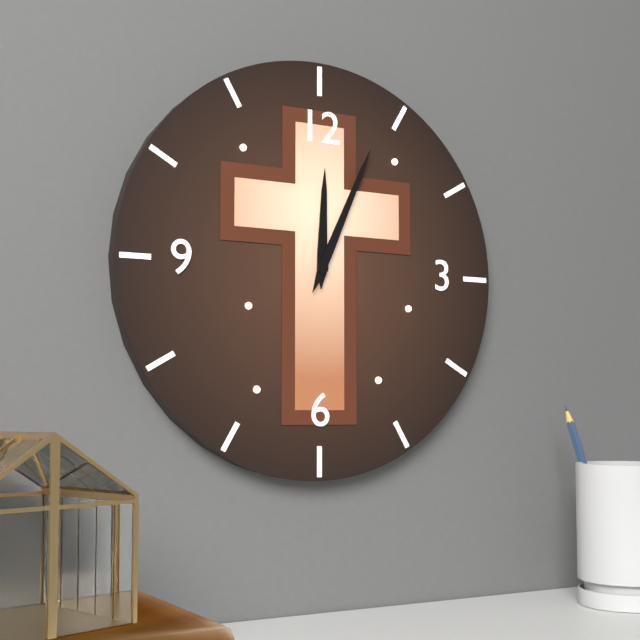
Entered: 12.04
